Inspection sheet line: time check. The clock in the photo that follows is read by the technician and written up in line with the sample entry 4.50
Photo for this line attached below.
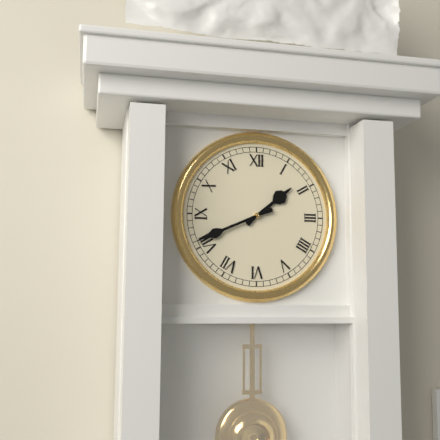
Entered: 1.41
